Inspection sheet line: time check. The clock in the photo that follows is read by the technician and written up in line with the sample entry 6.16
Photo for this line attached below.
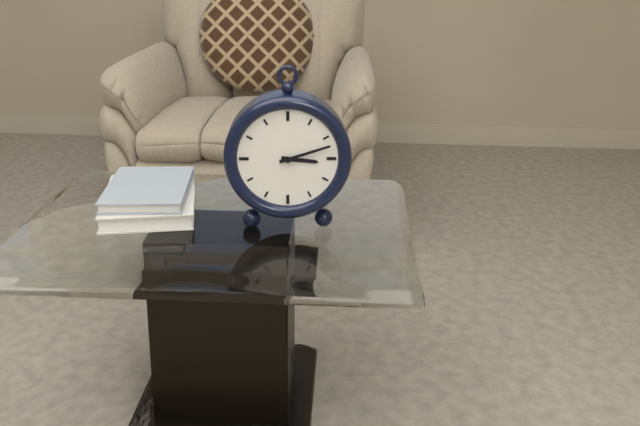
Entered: 3.12
